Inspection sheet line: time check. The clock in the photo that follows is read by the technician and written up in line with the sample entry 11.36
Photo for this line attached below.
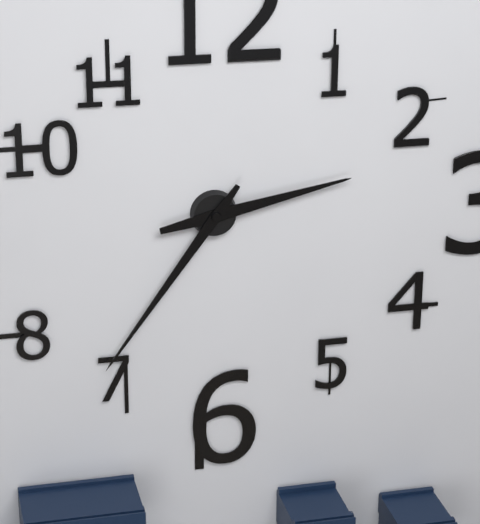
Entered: 2.36
